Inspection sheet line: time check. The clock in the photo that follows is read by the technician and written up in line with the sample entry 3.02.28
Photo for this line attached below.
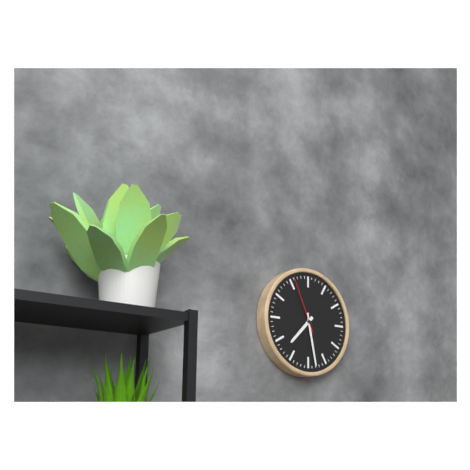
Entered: 7.28.56
